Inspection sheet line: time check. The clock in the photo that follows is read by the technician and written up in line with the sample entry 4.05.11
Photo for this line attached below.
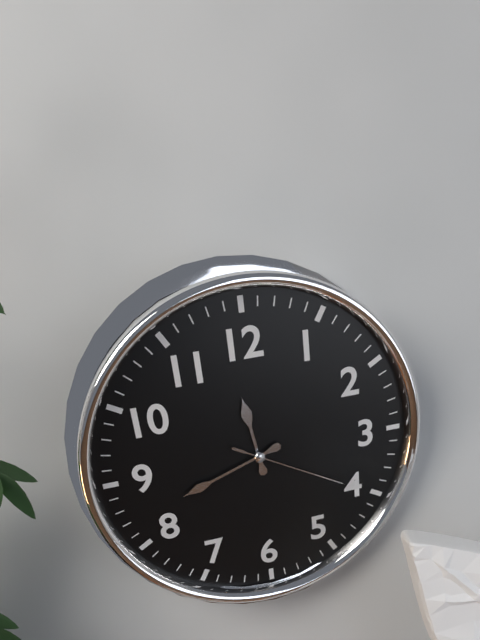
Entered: 11.42.20
